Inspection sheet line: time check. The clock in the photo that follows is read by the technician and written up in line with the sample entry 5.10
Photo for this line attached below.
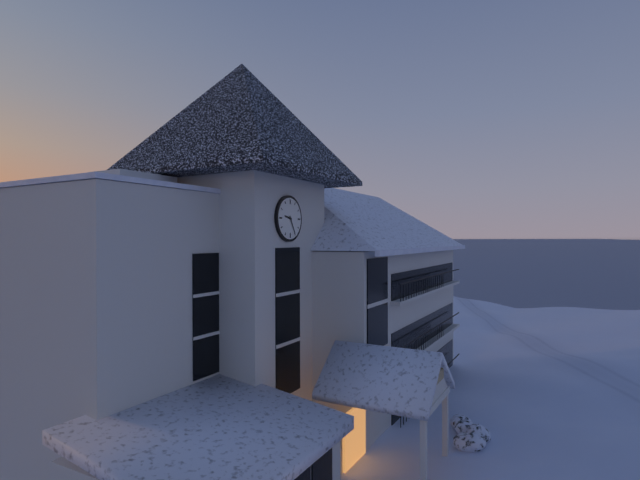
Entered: 9.25
